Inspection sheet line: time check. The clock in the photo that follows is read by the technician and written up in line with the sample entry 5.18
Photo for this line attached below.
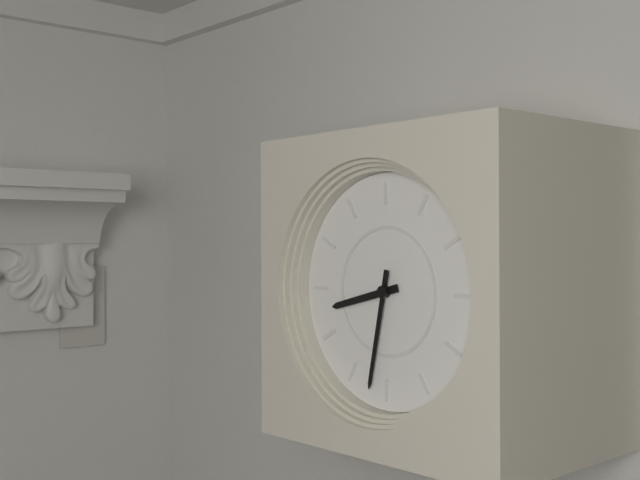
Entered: 8.32
